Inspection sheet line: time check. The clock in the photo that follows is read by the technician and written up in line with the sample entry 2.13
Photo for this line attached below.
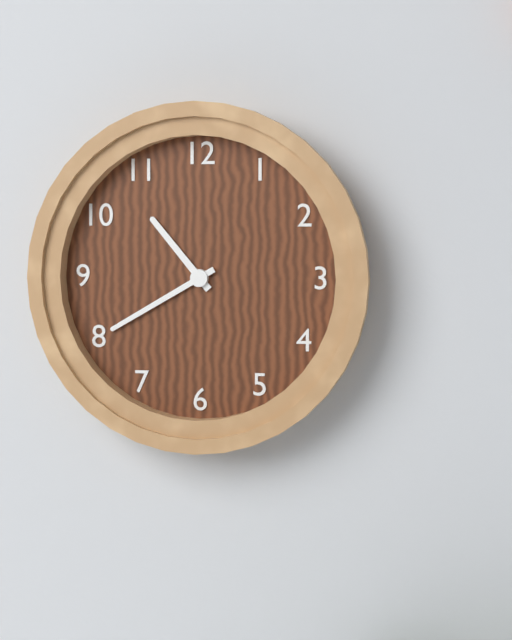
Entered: 10.40
